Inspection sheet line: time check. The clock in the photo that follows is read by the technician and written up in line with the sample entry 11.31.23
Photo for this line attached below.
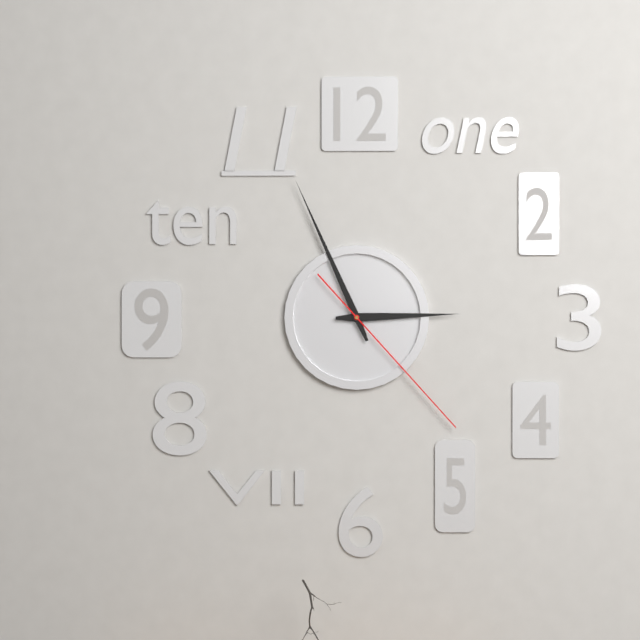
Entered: 2.56.23
